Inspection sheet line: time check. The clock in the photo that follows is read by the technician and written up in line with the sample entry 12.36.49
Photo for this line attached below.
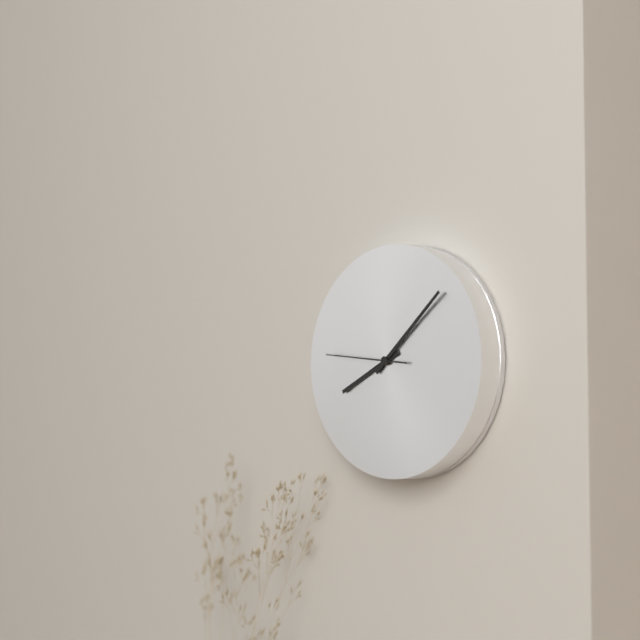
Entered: 8.08.46
